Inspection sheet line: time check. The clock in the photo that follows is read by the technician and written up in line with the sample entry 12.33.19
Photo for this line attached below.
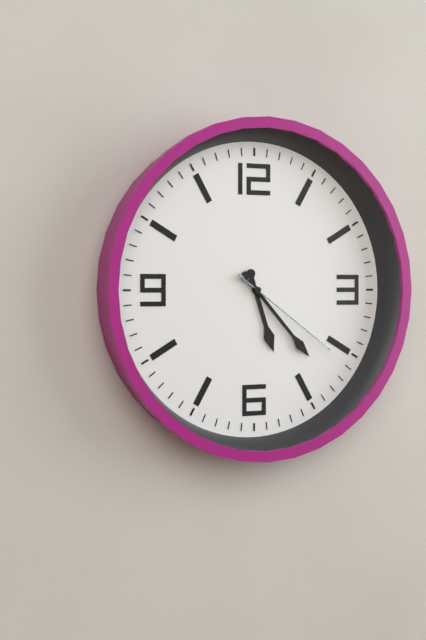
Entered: 5.23.21
